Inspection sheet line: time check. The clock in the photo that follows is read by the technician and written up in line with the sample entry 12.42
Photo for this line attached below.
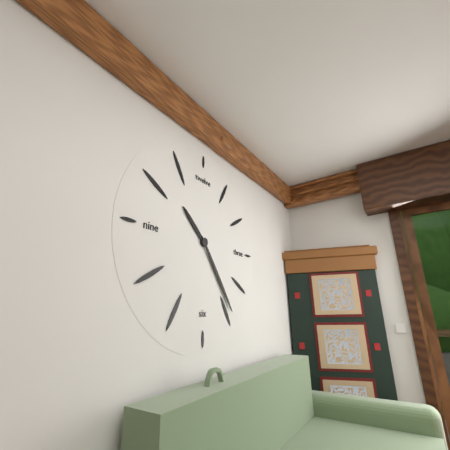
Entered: 10.24
